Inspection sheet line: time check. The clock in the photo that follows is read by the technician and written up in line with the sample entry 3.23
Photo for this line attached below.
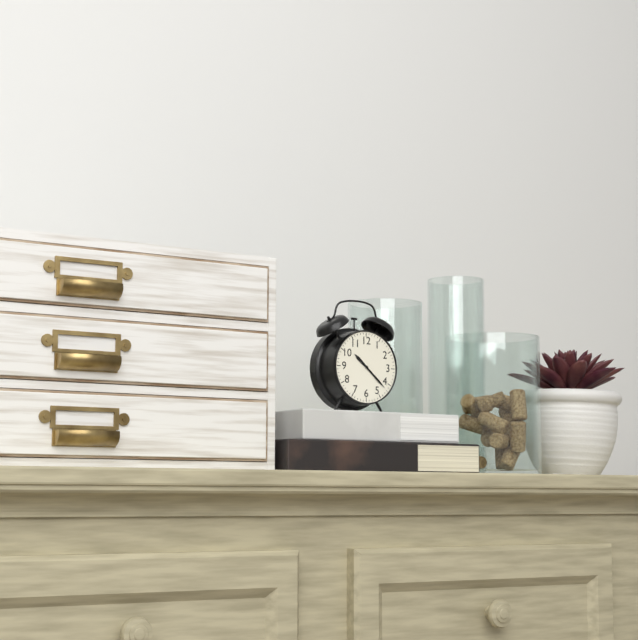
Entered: 10.22
